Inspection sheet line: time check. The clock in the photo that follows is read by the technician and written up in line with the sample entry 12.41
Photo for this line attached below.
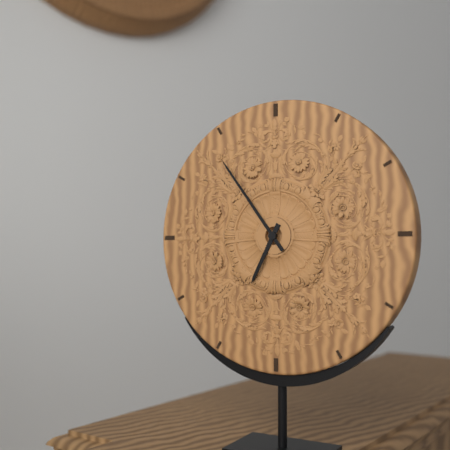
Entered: 6.54
